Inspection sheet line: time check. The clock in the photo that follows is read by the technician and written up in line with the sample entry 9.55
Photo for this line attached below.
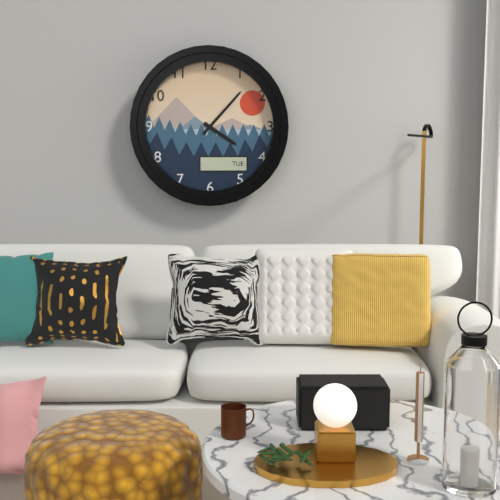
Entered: 4.07
